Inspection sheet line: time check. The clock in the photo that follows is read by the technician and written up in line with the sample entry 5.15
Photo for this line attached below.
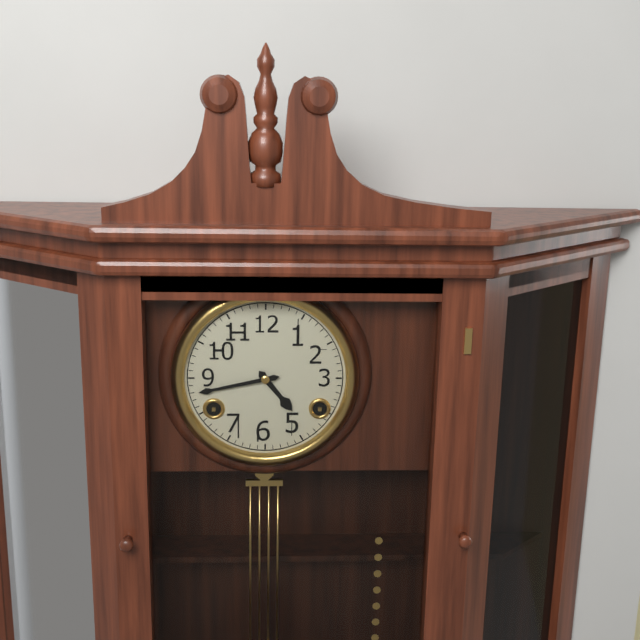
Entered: 4.43
